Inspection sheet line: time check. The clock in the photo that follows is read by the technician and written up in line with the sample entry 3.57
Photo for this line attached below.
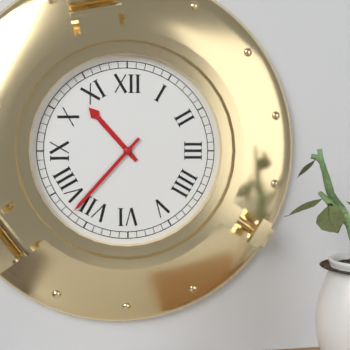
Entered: 10.37
